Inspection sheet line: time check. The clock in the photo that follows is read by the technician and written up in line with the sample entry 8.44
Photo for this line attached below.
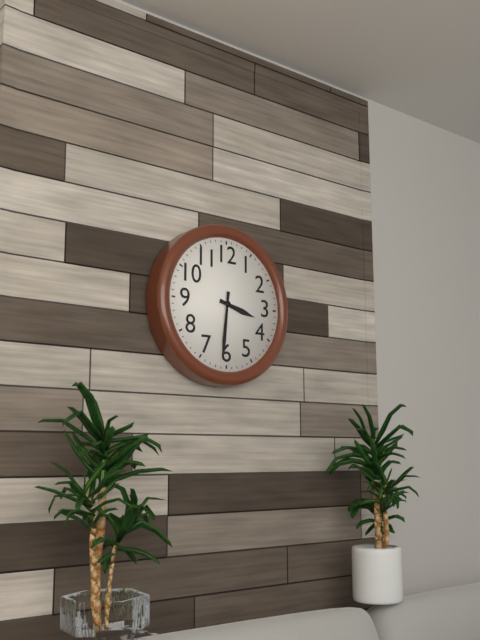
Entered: 3.31
